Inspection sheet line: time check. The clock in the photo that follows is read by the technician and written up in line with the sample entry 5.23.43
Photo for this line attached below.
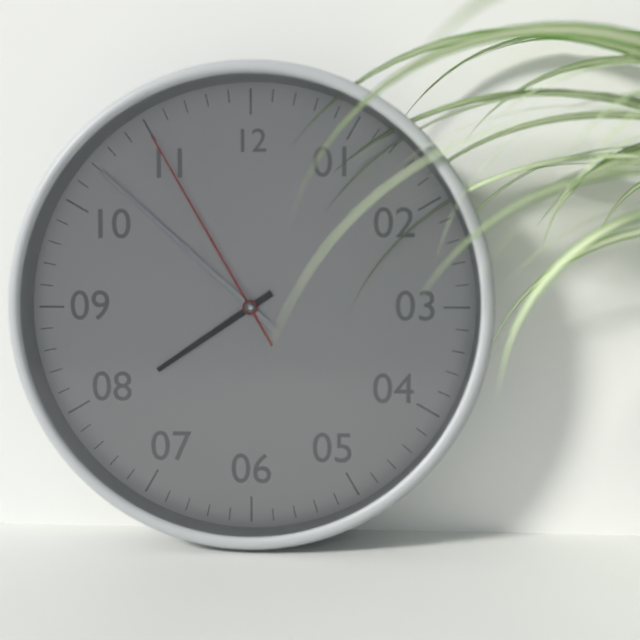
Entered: 7.52.55
